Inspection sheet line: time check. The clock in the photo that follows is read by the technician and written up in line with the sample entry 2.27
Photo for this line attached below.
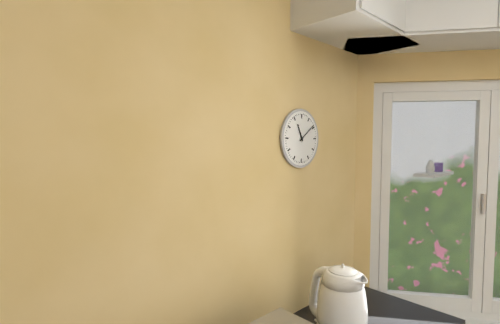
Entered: 11.09
